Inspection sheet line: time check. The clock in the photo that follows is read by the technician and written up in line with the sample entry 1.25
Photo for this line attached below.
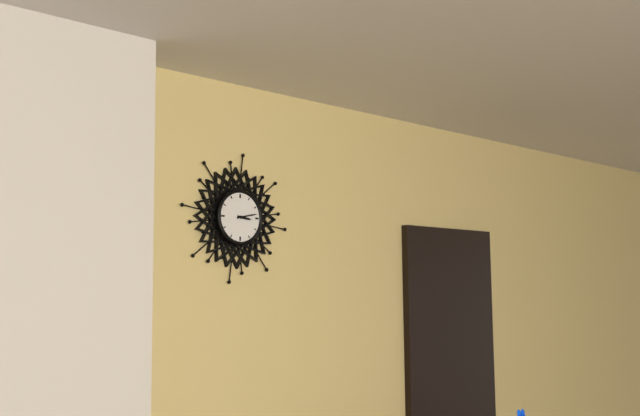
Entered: 3.13
